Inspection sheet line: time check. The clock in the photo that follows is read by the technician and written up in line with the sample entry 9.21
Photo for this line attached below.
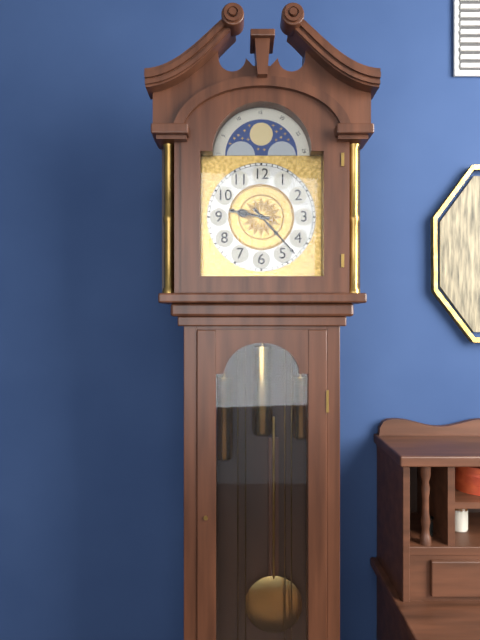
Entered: 9.23
